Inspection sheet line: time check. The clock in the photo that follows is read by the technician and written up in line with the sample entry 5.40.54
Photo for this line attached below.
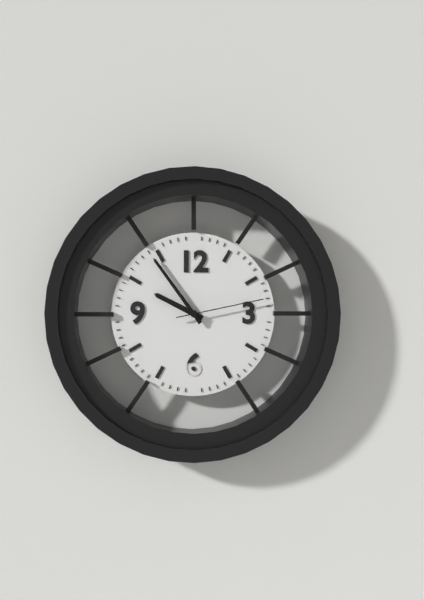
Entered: 9.54.13
